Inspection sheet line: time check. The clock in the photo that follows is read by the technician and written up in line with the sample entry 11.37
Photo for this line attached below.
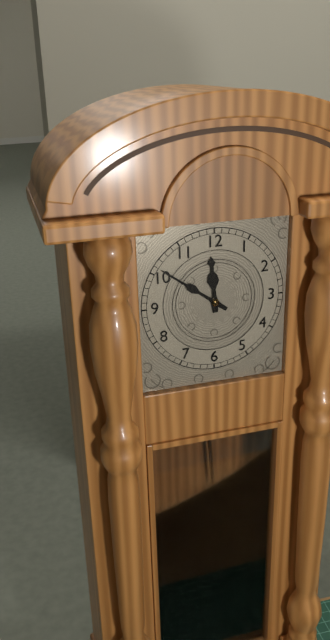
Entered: 11.51
